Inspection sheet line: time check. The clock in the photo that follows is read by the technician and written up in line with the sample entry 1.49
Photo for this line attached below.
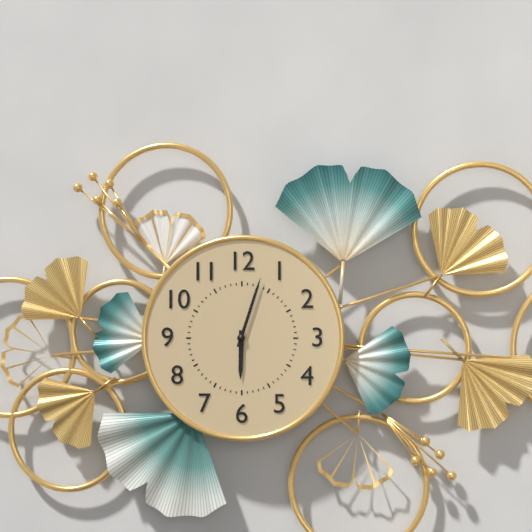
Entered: 6.03
